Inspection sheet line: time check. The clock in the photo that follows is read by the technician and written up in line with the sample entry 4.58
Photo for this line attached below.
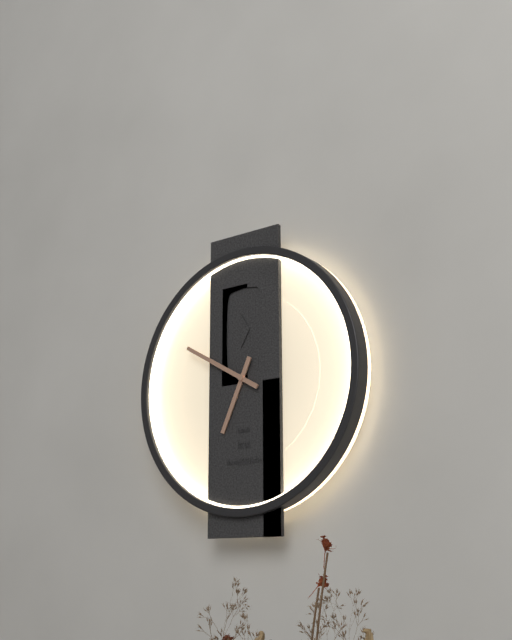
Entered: 6.50
